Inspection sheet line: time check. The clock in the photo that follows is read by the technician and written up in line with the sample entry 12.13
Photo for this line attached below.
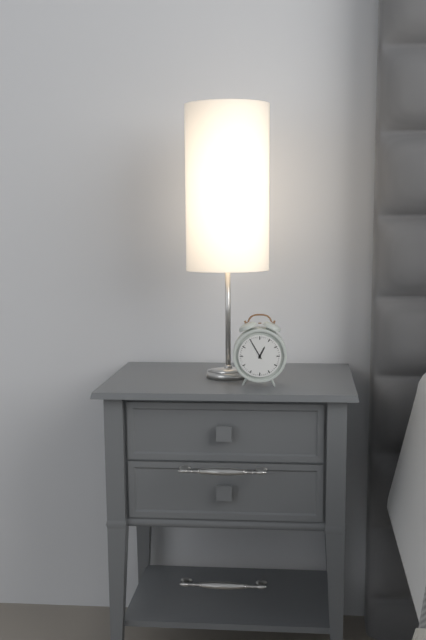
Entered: 12.55
